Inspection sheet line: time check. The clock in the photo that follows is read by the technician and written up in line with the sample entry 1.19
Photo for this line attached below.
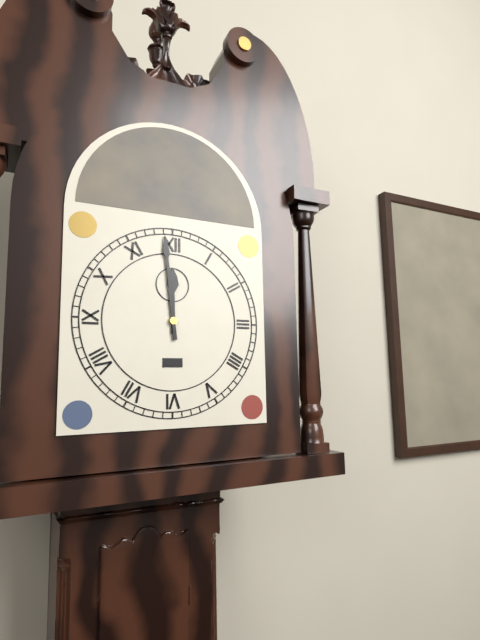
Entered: 11.59
